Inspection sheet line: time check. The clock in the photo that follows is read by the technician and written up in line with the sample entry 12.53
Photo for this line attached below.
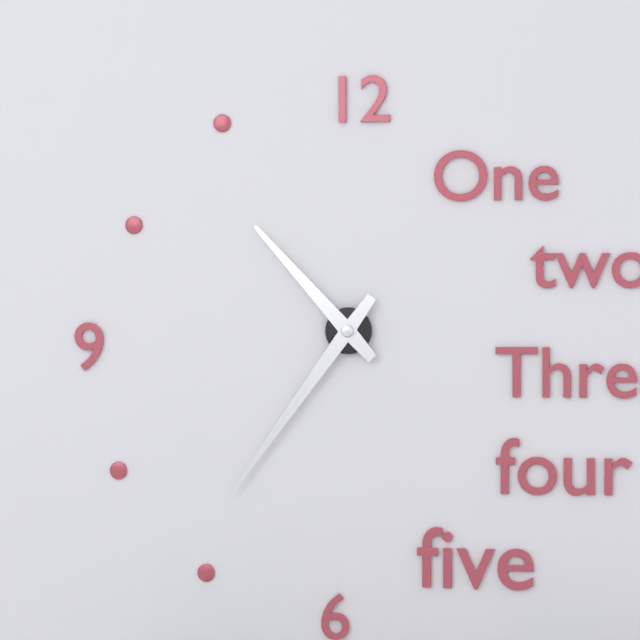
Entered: 10.36
